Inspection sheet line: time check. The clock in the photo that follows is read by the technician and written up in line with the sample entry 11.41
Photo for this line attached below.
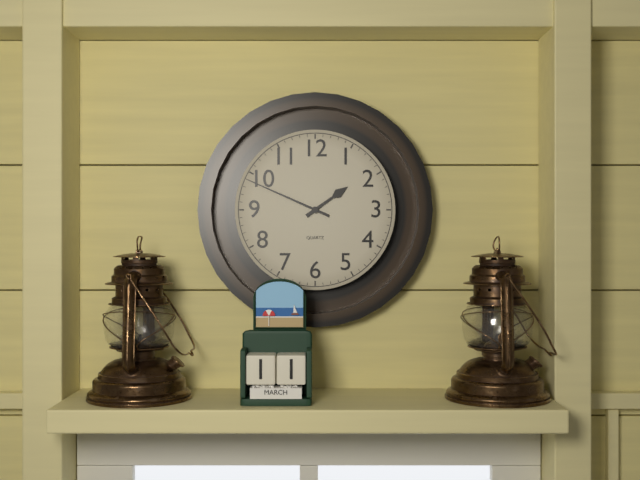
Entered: 1.49
